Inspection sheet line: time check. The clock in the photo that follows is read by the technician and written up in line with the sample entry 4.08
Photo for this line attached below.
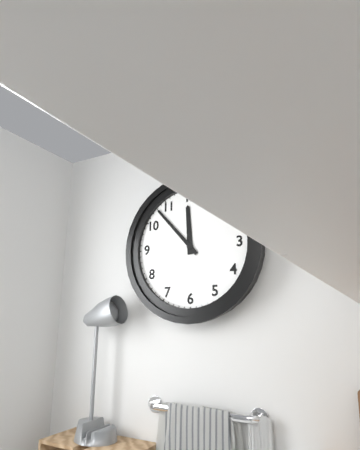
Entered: 11.53
